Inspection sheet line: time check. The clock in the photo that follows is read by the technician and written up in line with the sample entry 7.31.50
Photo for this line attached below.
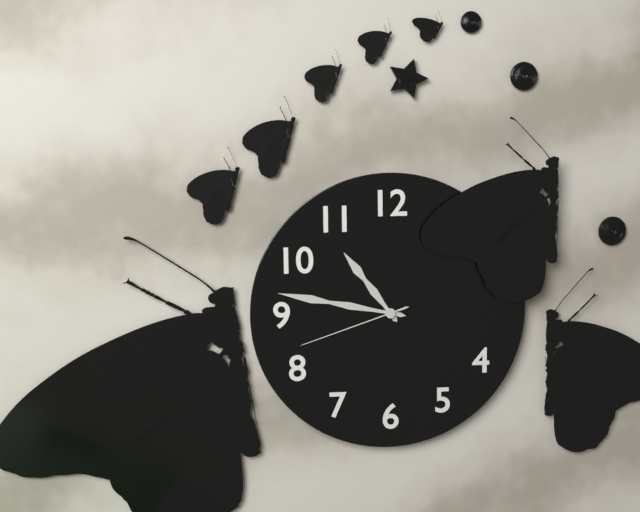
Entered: 10.47.42
